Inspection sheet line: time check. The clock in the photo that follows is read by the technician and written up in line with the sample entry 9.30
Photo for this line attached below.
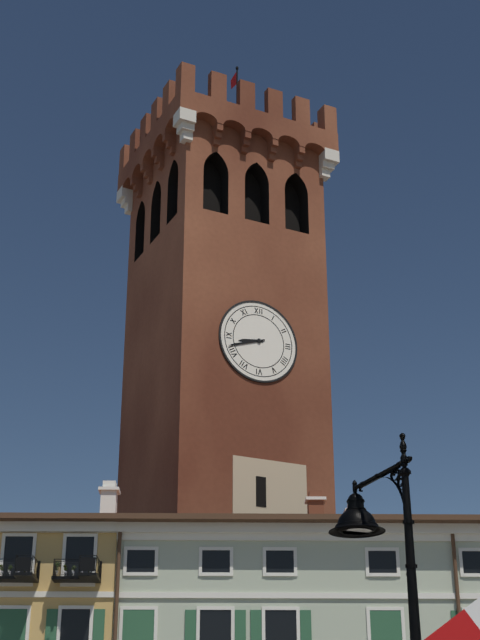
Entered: 8.42
